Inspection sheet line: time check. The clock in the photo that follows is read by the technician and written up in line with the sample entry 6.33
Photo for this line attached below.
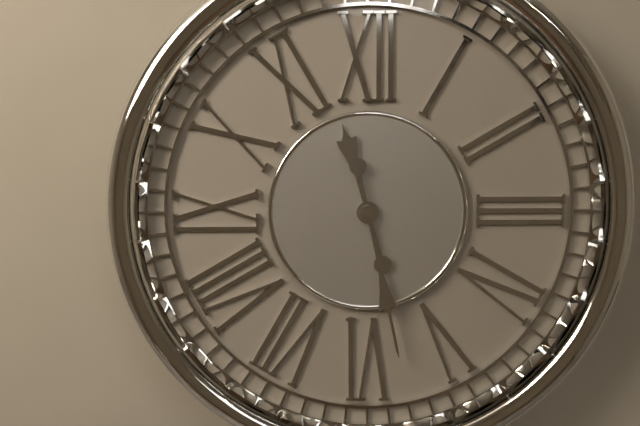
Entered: 11.28
